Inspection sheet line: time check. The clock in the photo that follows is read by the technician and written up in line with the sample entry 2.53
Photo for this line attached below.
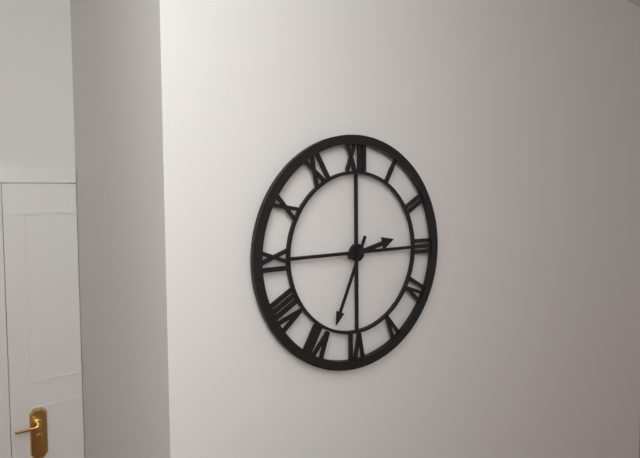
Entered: 2.34
